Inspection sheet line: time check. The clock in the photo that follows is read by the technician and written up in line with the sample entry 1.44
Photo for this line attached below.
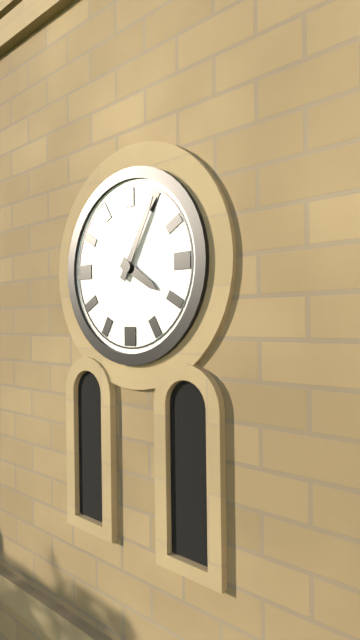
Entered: 4.05
